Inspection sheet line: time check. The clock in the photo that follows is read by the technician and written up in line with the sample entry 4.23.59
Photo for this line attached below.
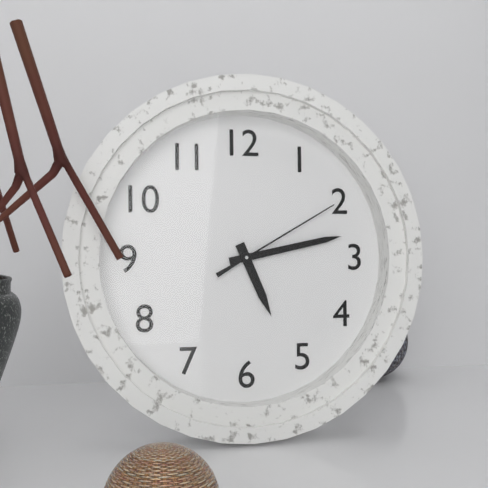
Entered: 5.13.10
